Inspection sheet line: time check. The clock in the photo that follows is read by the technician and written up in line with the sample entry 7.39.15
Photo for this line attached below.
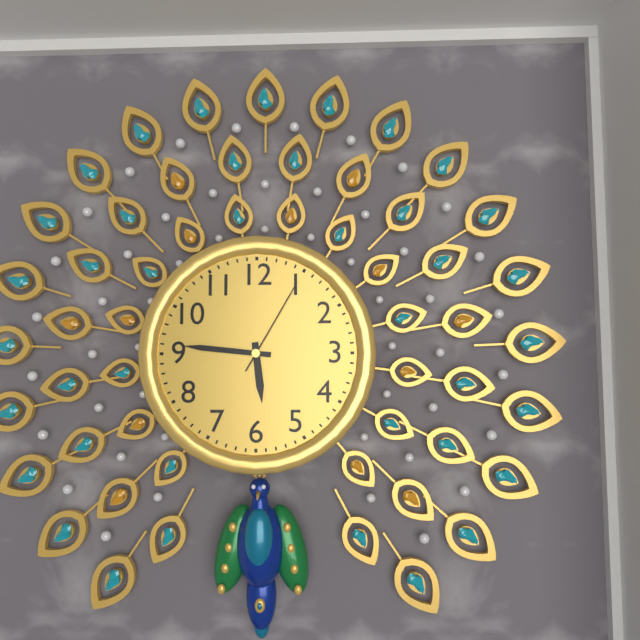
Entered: 5.46.05
